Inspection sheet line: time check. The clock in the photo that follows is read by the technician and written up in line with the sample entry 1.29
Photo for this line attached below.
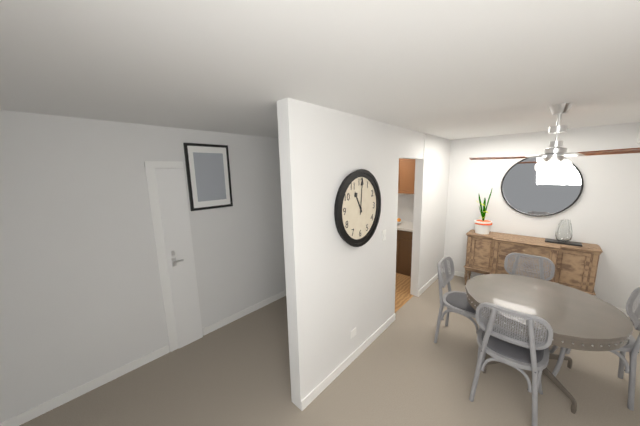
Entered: 11.01
